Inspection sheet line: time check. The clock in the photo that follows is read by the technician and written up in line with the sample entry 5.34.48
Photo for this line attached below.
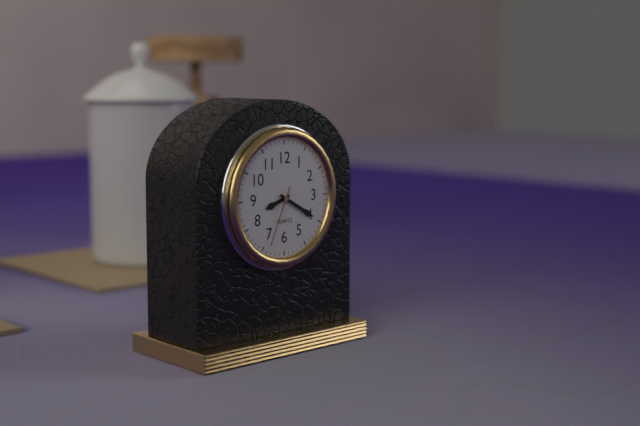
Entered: 8.20.34
